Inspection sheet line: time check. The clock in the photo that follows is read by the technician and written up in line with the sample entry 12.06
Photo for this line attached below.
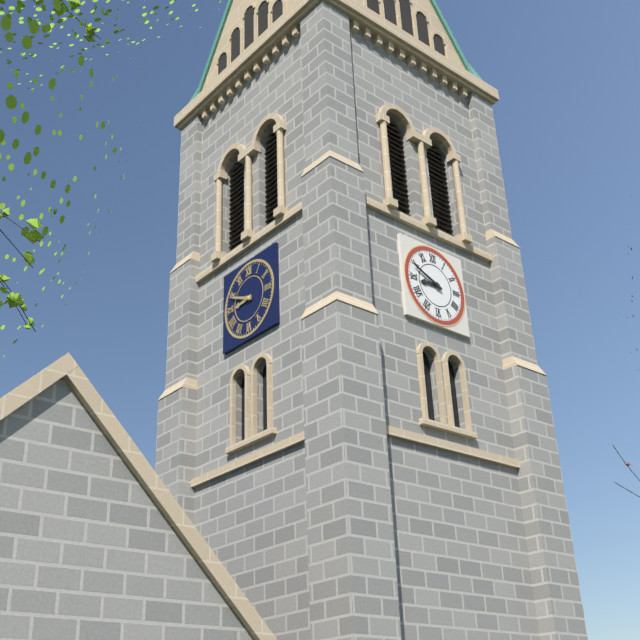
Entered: 8.49
